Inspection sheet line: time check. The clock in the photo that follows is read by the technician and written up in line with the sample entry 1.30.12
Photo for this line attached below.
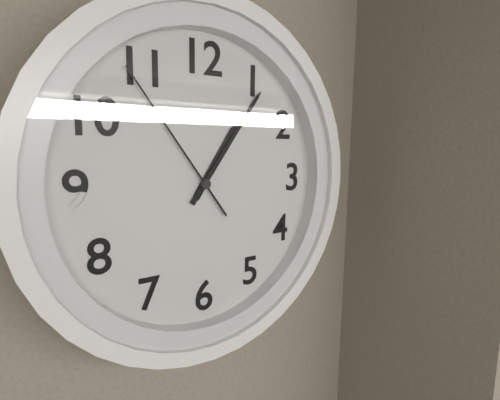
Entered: 1.06.54
